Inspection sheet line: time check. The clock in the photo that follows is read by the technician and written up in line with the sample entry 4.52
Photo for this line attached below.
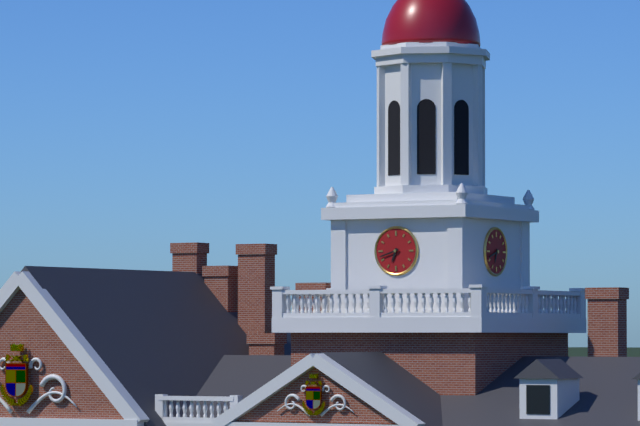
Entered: 6.42
